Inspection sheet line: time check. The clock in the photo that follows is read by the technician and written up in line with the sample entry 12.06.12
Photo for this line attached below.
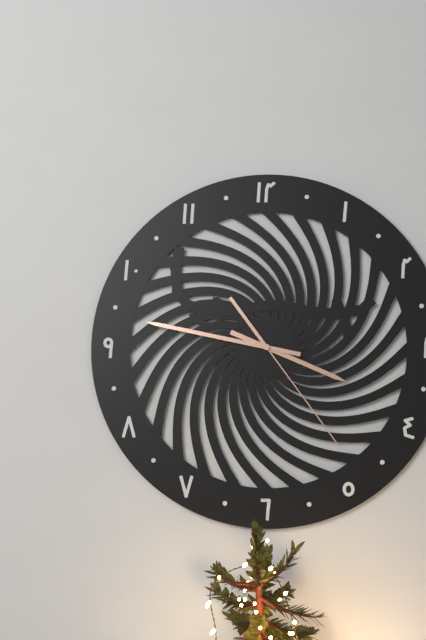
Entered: 3.47.24
